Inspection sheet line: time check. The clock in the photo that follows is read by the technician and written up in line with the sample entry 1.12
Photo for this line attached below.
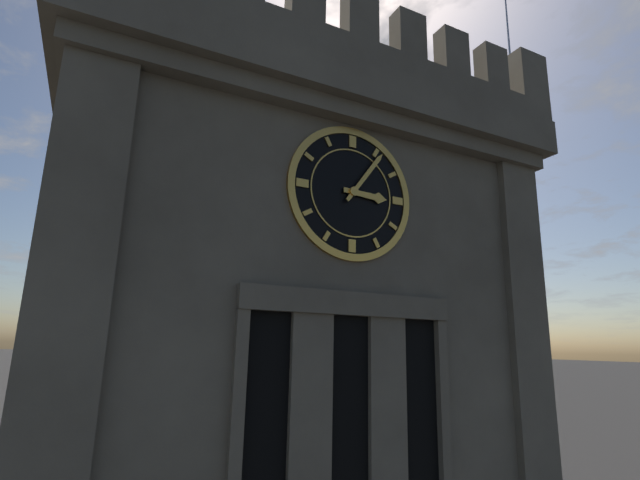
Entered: 3.06
